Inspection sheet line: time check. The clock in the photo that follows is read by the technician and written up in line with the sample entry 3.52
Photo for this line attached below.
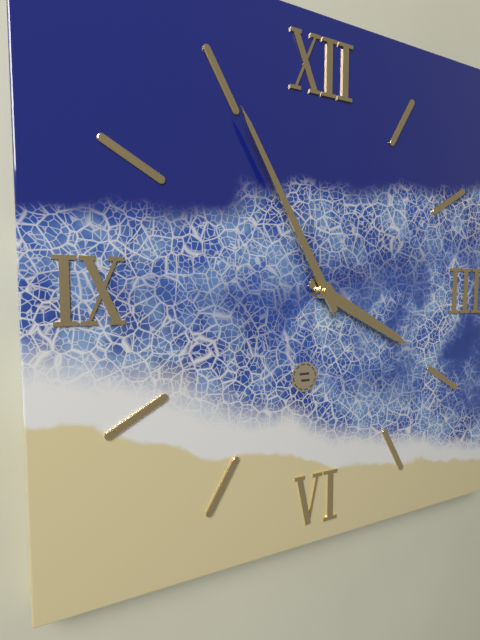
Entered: 3.55
